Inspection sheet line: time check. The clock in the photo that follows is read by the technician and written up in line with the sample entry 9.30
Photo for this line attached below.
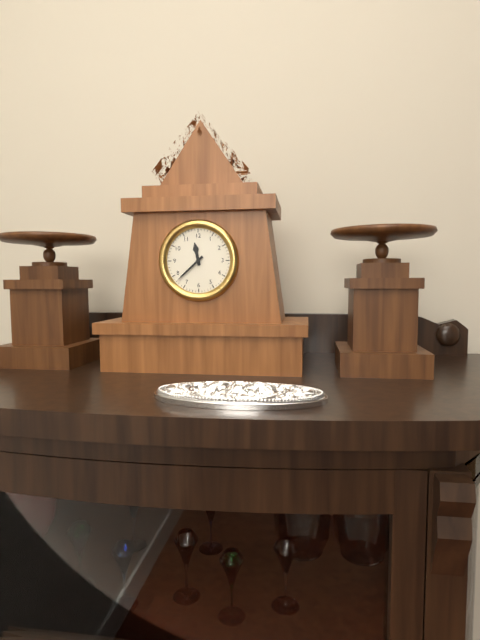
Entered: 11.38
